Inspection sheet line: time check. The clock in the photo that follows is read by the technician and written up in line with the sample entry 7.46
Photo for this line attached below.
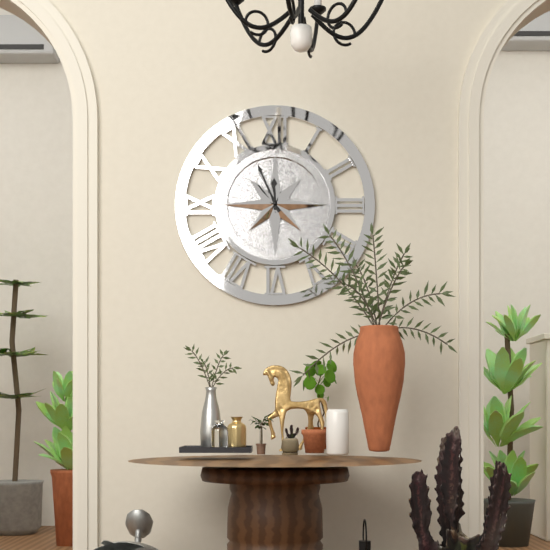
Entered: 11.56
